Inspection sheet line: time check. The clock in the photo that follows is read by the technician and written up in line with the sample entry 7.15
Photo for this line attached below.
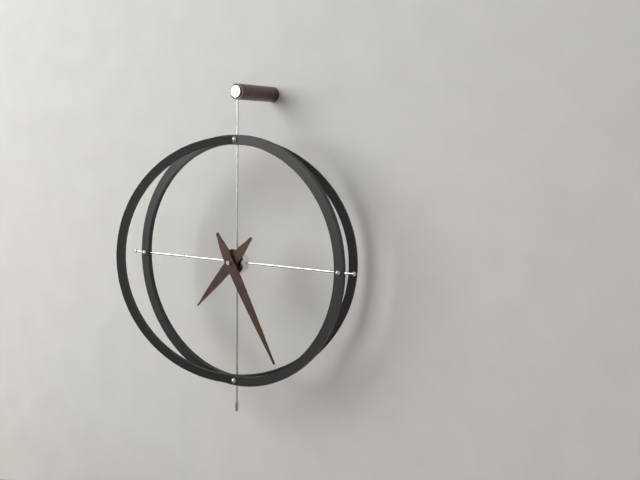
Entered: 7.25
